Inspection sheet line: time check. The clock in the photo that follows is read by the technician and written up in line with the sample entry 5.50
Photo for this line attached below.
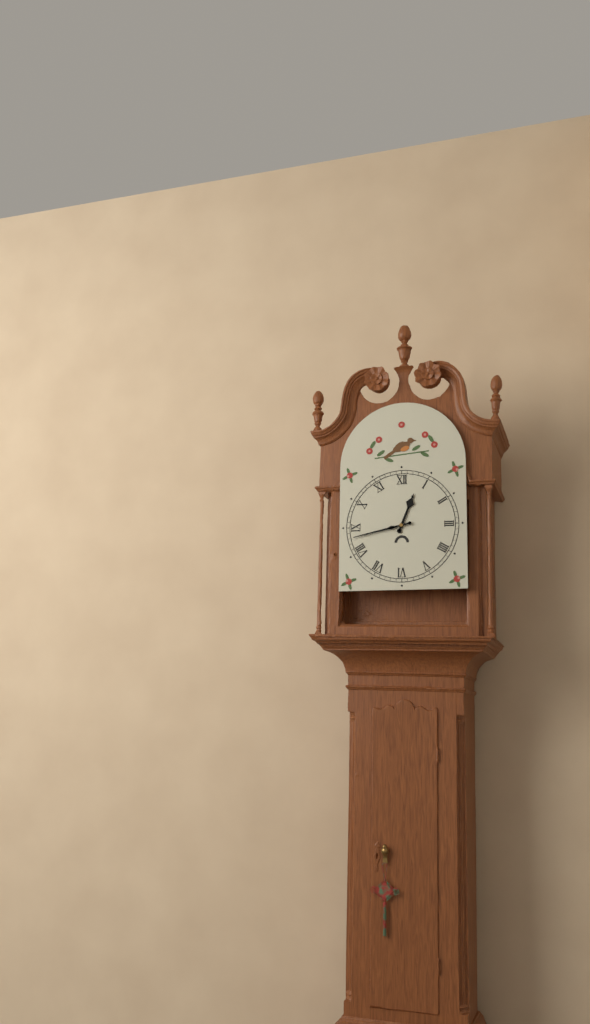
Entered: 12.43
